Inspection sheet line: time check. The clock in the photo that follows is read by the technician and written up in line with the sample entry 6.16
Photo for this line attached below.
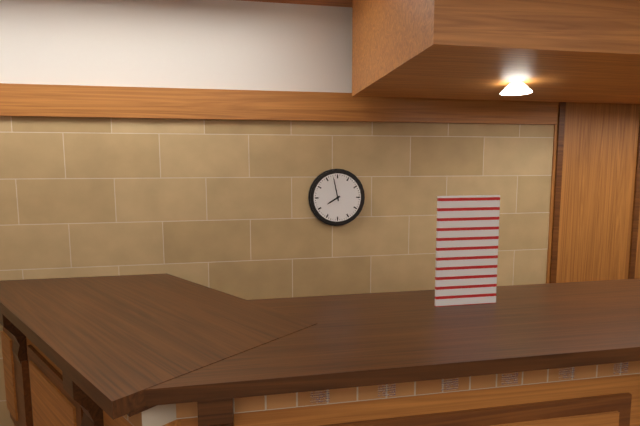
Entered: 7.58
